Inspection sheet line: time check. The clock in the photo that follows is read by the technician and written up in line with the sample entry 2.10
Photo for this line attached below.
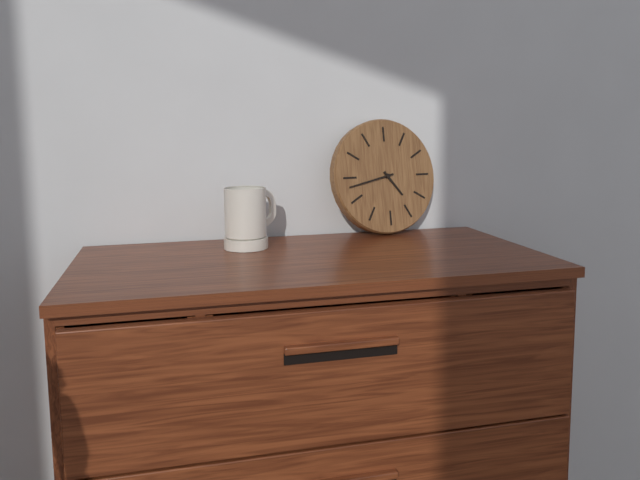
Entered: 4.43
